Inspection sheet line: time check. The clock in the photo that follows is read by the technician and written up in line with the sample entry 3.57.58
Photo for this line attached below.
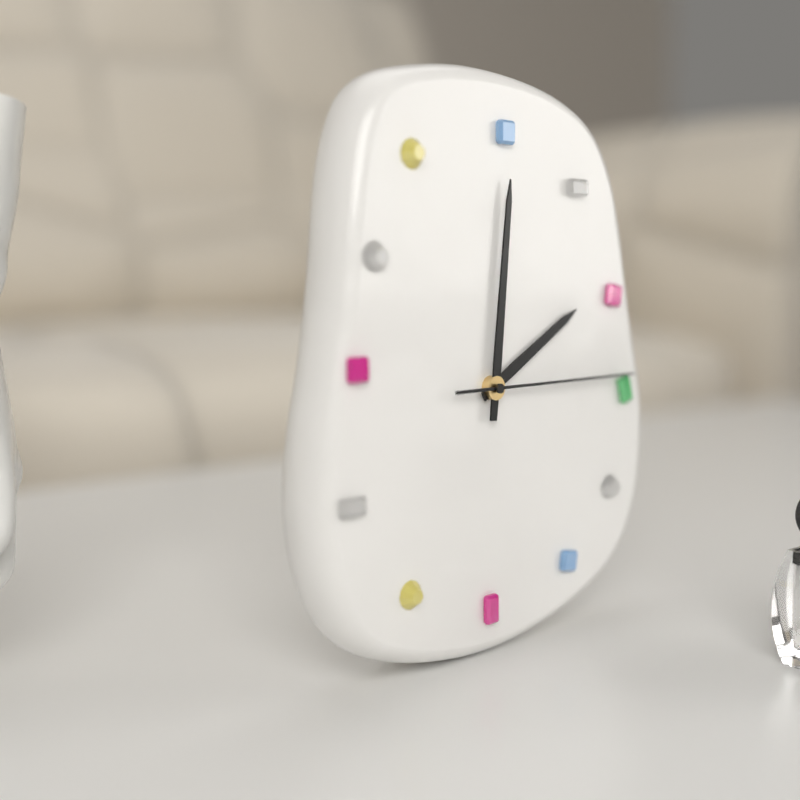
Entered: 2.01.15
